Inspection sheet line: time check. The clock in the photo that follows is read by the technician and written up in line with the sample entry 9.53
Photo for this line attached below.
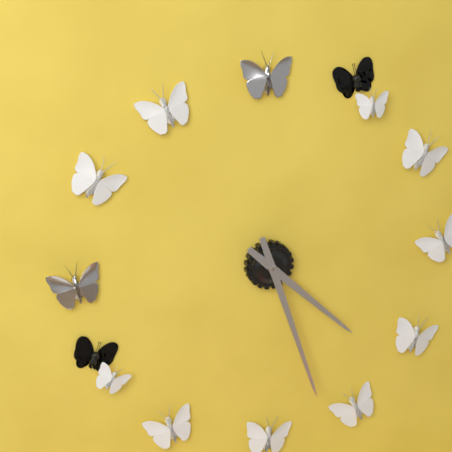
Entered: 4.27
